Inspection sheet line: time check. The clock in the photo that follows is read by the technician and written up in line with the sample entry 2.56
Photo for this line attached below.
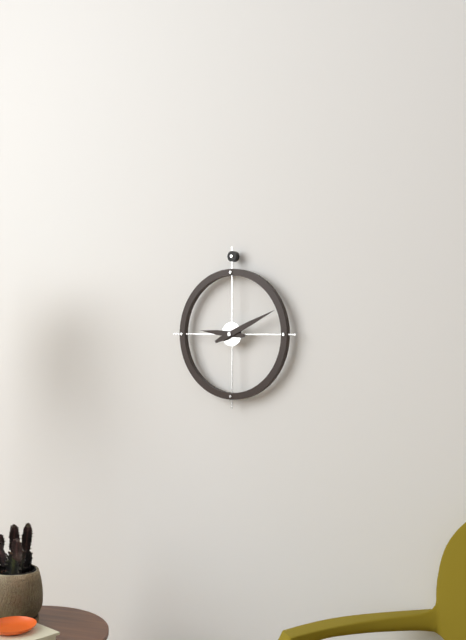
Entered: 9.11
